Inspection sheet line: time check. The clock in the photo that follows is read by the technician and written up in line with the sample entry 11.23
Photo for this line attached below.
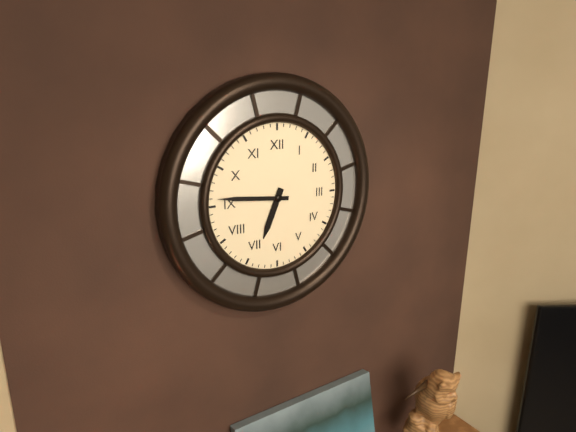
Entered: 6.46
